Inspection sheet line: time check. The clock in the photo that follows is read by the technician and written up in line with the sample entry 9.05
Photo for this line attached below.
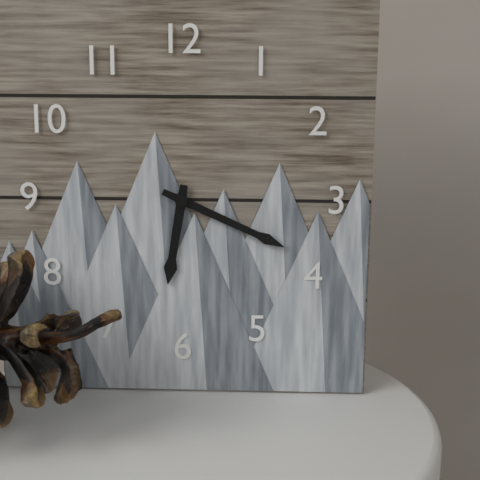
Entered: 6.19
